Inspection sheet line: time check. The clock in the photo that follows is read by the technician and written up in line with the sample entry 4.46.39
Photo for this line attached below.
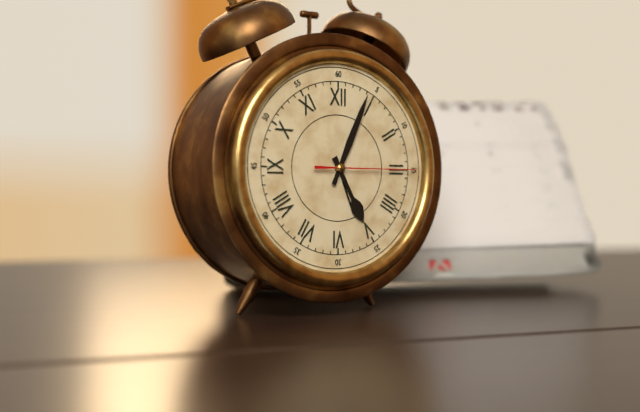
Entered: 5.04.15
